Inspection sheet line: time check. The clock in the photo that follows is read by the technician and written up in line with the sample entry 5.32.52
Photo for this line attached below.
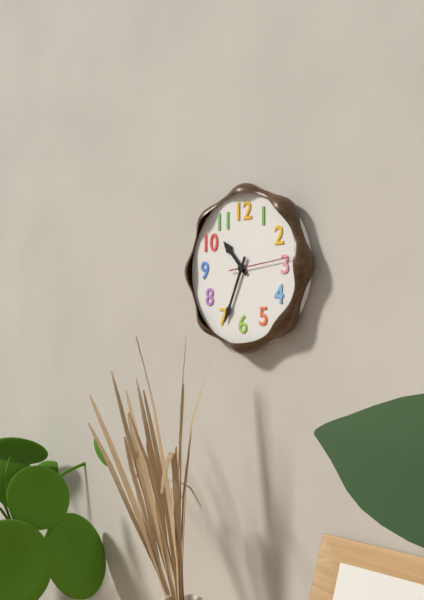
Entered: 10.34.14
